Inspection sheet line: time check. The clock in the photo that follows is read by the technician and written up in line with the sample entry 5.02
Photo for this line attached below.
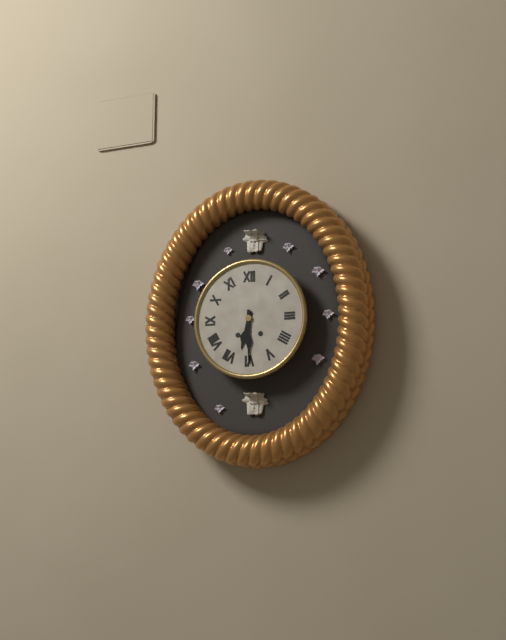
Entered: 6.30
